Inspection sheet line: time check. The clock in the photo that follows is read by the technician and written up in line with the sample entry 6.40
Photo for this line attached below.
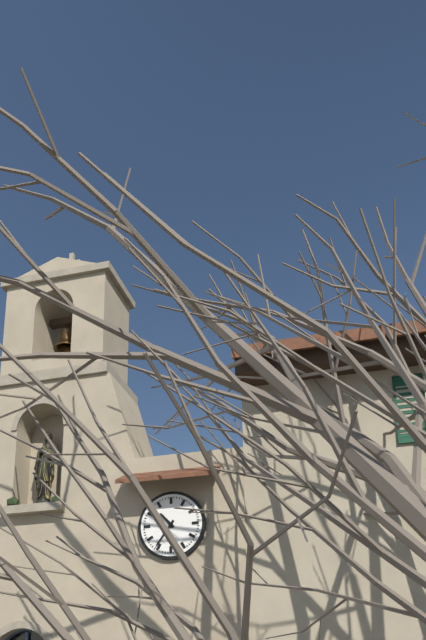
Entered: 10.36
